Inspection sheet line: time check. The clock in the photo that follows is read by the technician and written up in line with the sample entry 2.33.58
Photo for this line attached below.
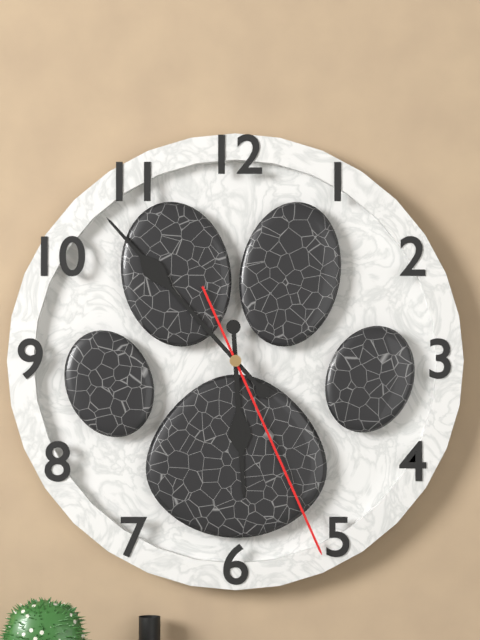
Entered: 5.53.26
